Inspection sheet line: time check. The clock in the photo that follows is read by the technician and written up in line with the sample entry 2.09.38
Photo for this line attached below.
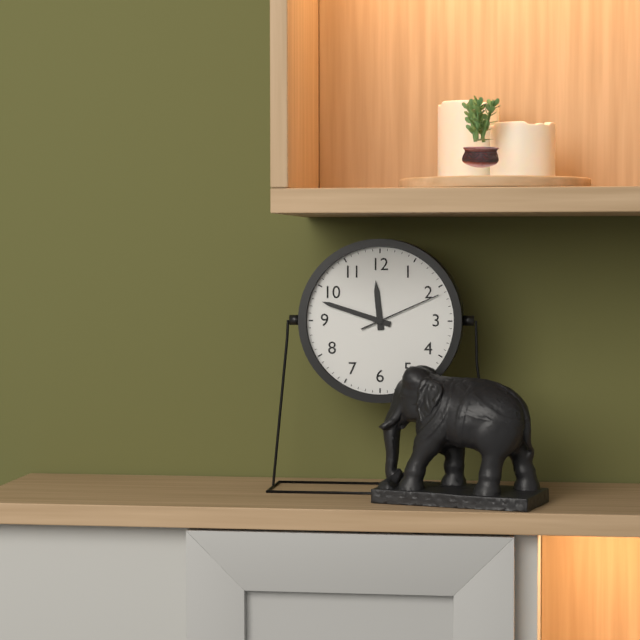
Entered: 11.48.11
